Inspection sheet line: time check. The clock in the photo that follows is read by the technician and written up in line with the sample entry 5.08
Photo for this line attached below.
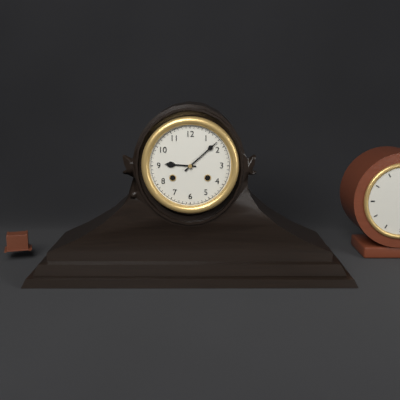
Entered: 9.08
